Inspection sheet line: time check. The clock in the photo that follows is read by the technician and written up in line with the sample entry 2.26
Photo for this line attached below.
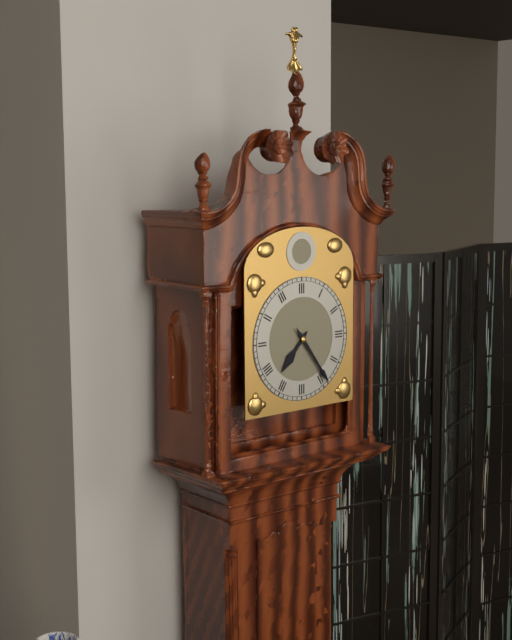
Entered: 7.24
